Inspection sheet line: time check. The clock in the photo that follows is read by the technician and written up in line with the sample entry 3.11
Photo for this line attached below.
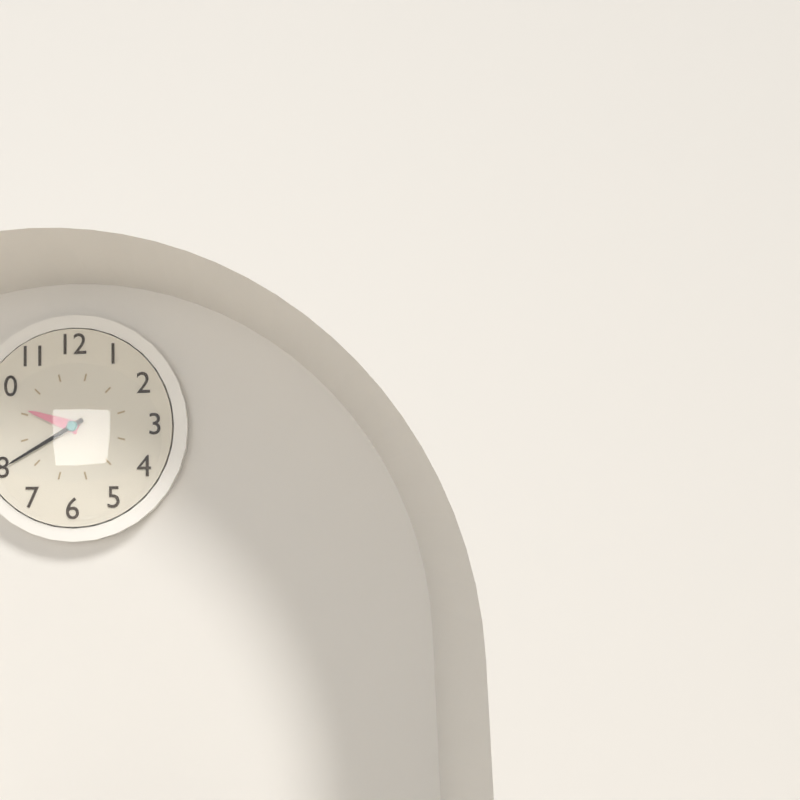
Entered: 9.40
